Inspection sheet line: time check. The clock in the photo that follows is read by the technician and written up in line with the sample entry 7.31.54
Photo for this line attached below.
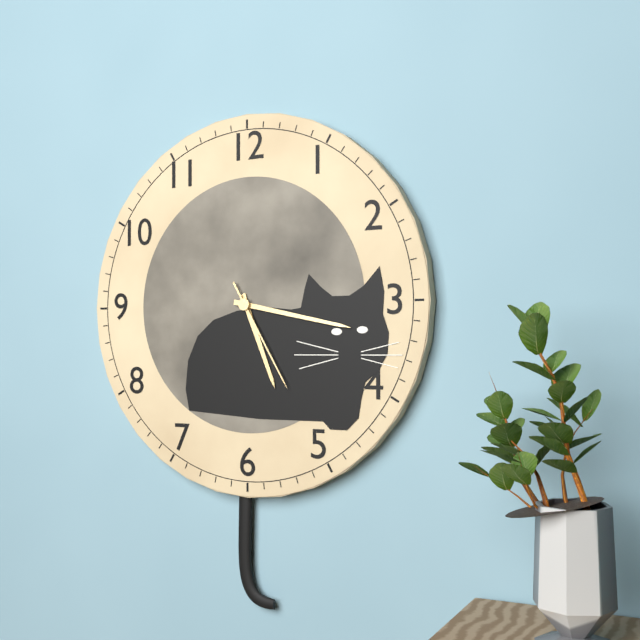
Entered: 5.17.25
